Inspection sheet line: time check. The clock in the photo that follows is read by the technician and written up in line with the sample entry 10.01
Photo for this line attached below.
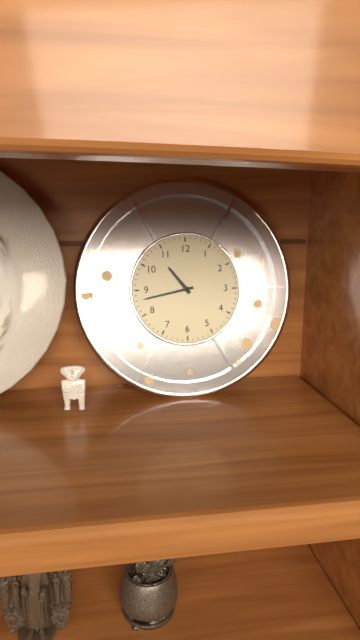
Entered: 10.43
